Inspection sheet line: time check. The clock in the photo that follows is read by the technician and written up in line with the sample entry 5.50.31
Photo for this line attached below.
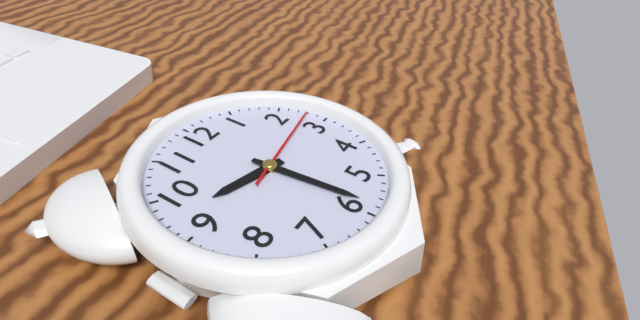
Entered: 9.29.13
